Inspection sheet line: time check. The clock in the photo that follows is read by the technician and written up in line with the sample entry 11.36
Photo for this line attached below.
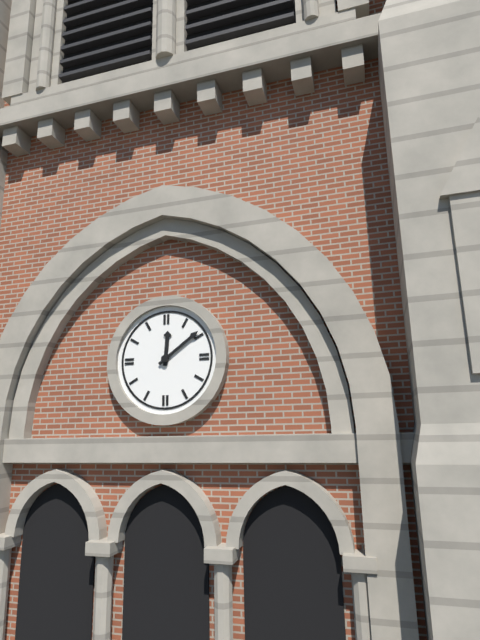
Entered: 12.09
